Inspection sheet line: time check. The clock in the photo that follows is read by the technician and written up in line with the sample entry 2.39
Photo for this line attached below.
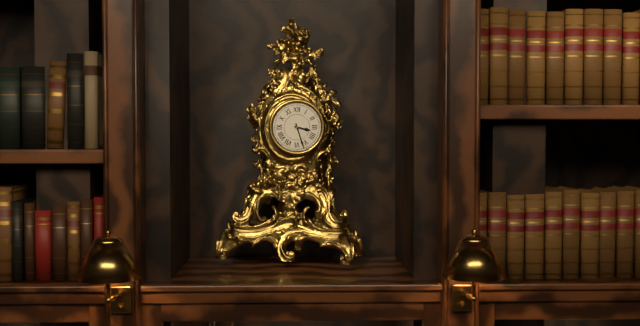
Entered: 3.27
